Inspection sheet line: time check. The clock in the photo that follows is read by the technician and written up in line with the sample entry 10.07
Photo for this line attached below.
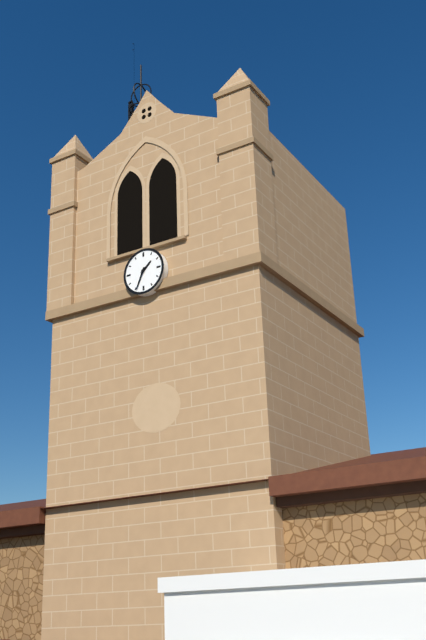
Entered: 1.34
